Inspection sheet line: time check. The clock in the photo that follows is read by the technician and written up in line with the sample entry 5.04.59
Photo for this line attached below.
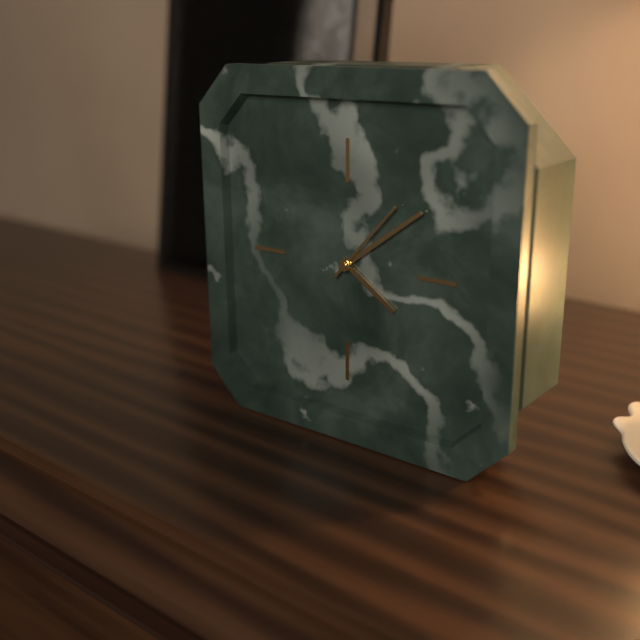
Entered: 4.09.07
